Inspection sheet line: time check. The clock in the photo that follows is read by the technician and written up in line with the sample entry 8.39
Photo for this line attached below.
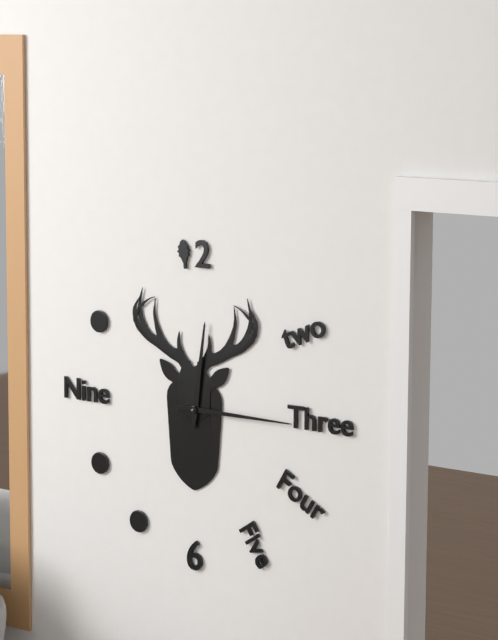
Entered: 12.15
